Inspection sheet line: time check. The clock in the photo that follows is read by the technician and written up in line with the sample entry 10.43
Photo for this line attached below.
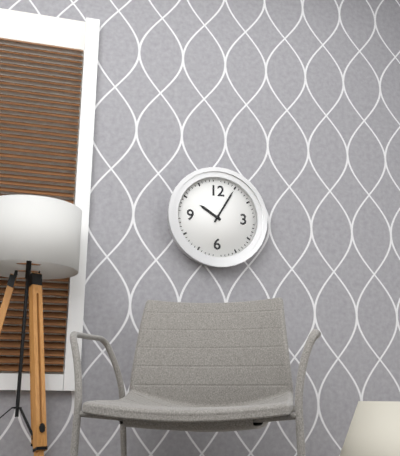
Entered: 10.05
